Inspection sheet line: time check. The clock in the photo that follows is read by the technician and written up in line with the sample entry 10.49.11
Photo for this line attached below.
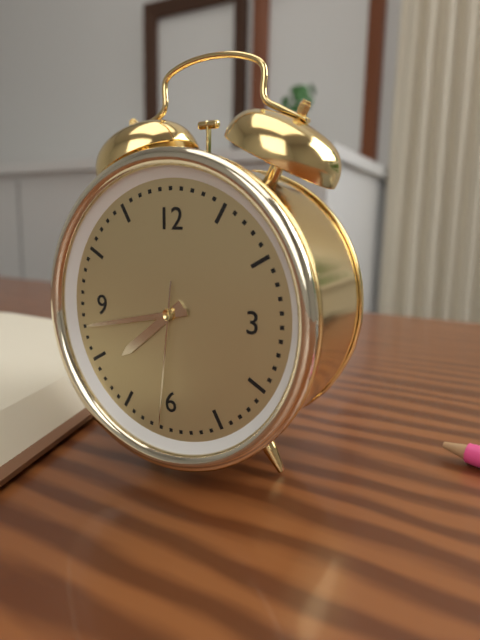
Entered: 7.43.31
